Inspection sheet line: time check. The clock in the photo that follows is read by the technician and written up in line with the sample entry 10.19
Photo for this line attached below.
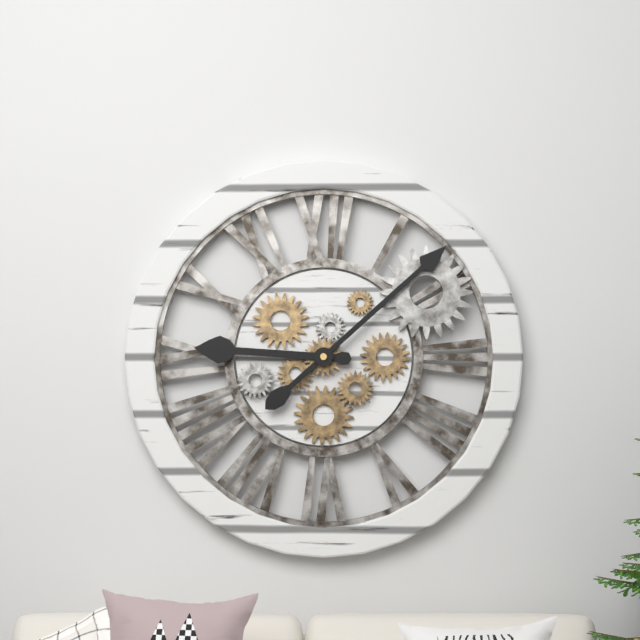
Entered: 9.08
